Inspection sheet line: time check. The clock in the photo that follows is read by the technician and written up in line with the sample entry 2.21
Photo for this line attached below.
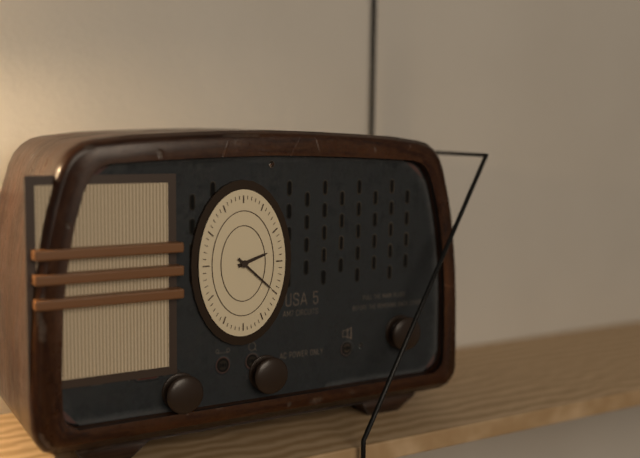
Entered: 2.22
